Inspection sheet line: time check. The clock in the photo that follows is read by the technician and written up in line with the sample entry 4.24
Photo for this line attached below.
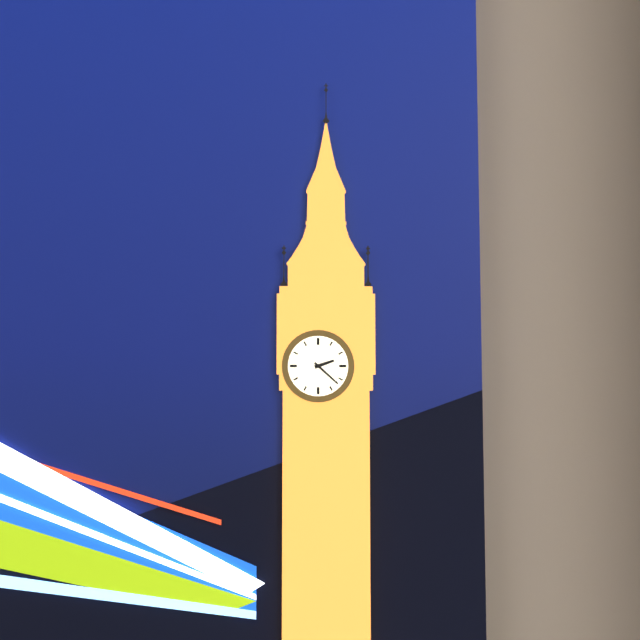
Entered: 2.22
